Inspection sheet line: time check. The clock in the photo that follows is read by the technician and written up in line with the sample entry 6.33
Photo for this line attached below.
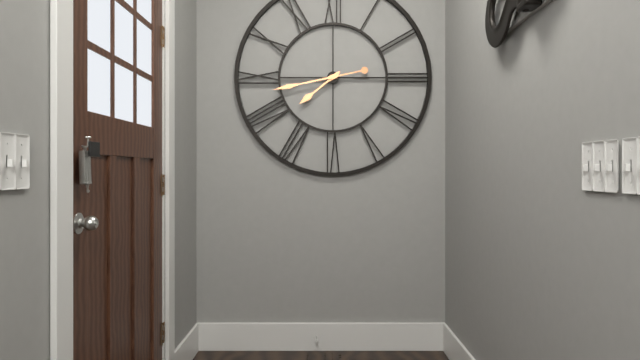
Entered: 7.43
